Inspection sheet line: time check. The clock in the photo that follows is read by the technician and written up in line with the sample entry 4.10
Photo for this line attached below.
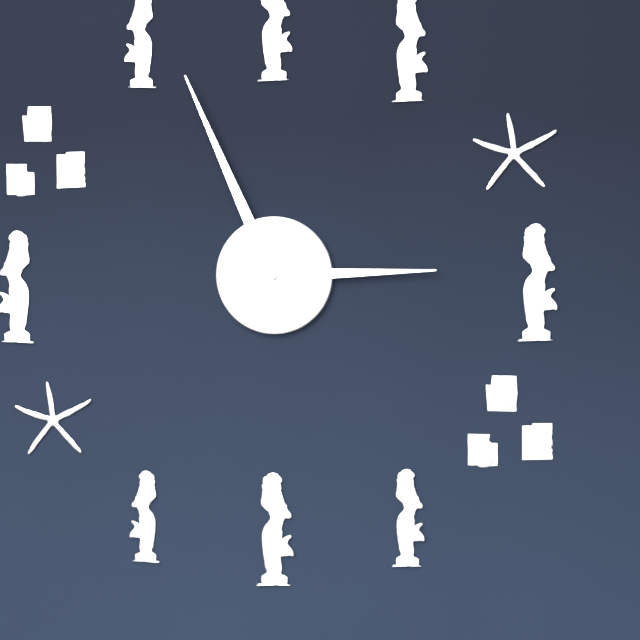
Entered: 2.56
